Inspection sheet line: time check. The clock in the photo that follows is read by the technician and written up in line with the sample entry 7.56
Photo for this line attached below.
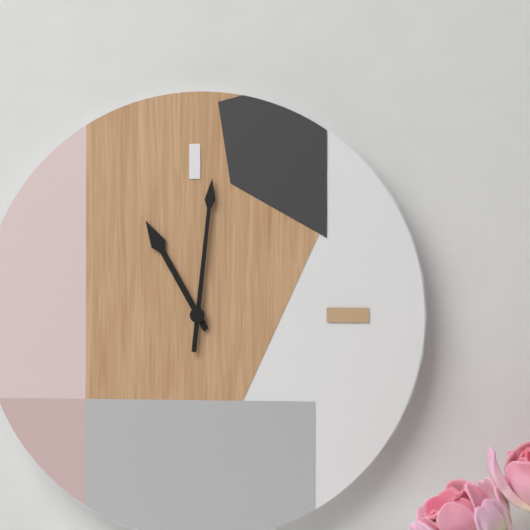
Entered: 11.01
